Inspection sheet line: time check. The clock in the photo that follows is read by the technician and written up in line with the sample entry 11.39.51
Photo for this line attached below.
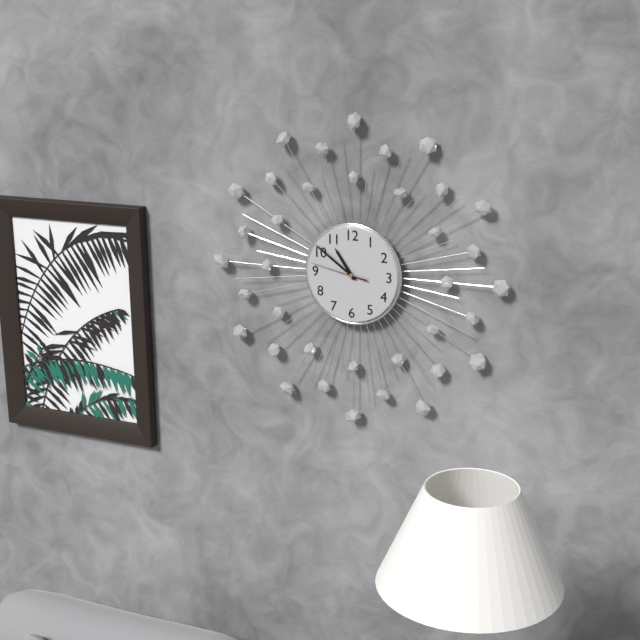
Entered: 10.51.47
